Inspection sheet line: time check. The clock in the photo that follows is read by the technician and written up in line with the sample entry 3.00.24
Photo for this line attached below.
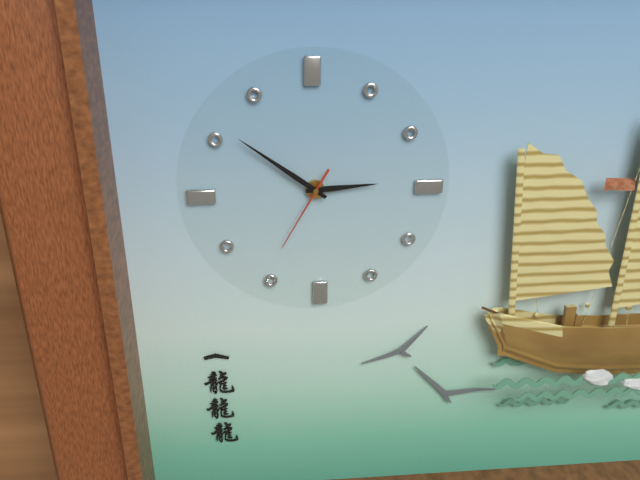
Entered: 2.51.35
